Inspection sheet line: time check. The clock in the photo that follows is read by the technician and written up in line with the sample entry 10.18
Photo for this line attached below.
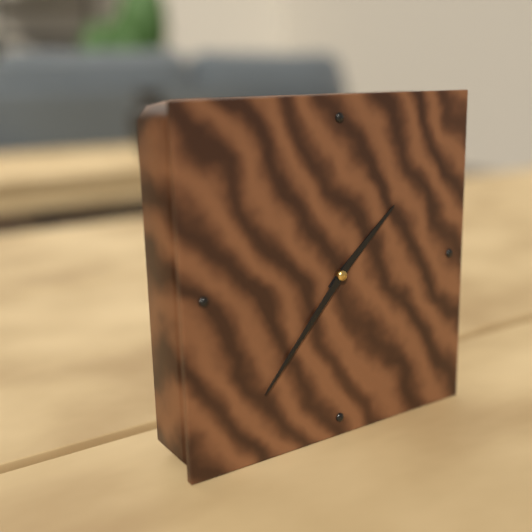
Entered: 1.37
